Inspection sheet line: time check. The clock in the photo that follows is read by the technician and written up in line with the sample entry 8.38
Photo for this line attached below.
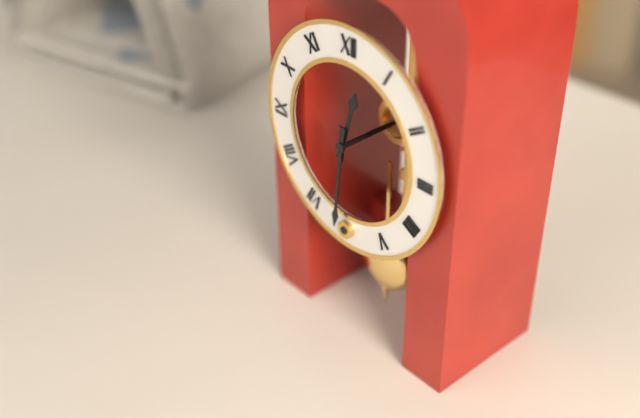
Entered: 12.31
